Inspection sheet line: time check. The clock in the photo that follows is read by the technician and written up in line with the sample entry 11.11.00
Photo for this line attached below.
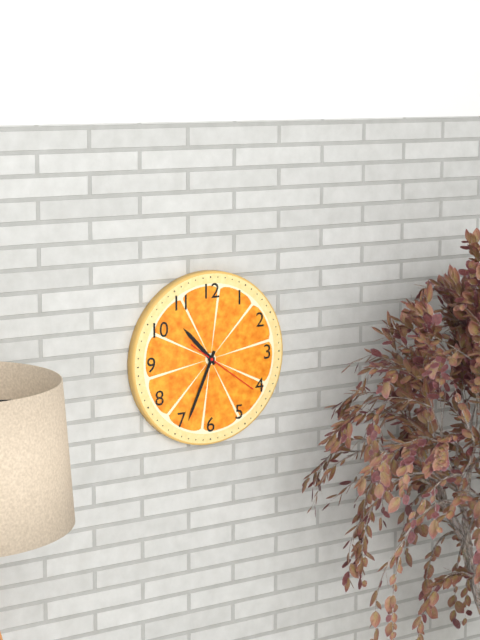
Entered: 10.34.21
